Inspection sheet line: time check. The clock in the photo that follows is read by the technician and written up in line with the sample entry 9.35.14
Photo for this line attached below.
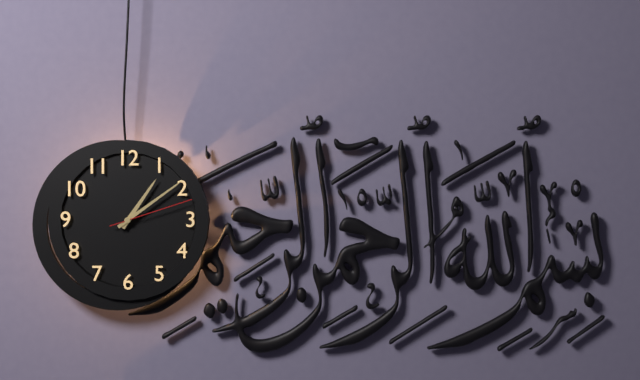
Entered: 1.09.12
